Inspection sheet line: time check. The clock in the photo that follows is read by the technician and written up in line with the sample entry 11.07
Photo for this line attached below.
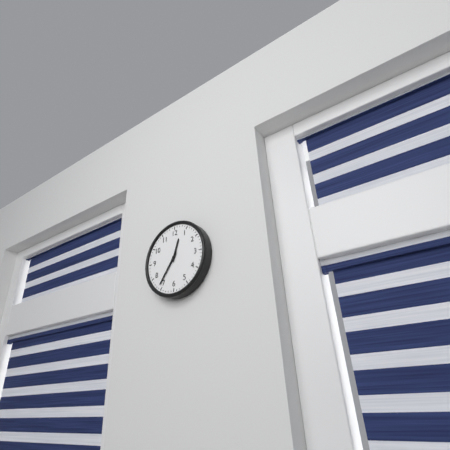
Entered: 12.36
